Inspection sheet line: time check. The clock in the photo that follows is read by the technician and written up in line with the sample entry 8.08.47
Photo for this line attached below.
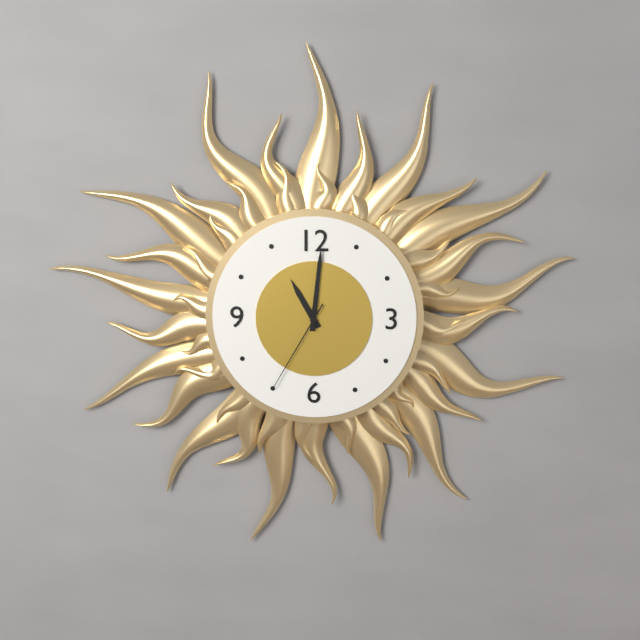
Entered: 11.01.35
